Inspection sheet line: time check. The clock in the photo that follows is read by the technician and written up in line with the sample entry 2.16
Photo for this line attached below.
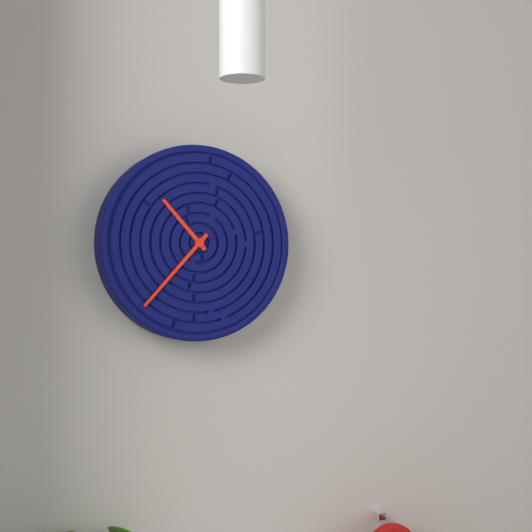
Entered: 10.37
